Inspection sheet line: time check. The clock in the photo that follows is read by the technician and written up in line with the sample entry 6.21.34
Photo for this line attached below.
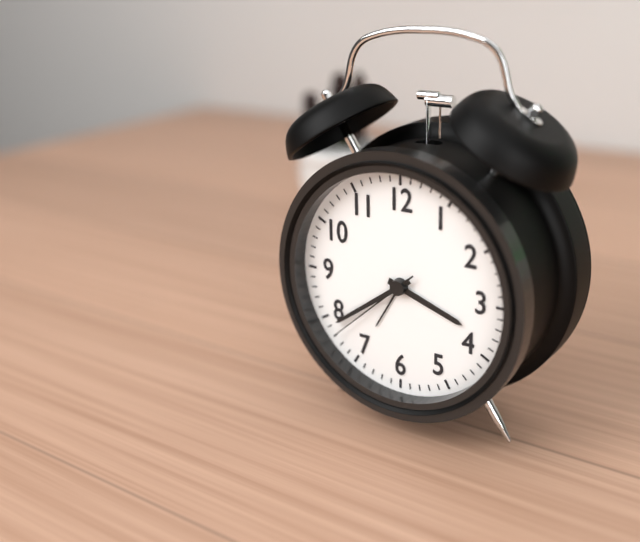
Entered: 3.39.38
